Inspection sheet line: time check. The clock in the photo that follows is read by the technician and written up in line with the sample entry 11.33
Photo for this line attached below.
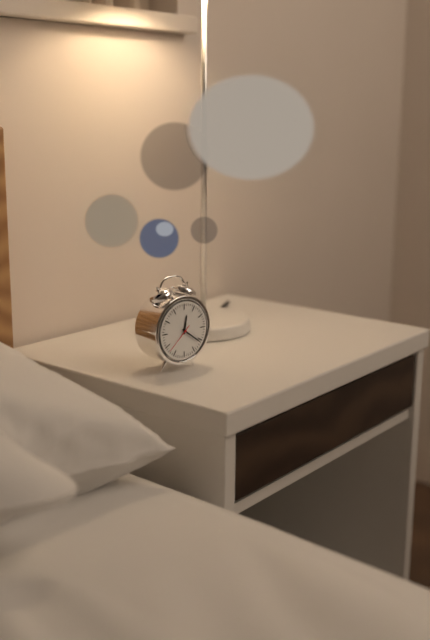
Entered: 12.21
